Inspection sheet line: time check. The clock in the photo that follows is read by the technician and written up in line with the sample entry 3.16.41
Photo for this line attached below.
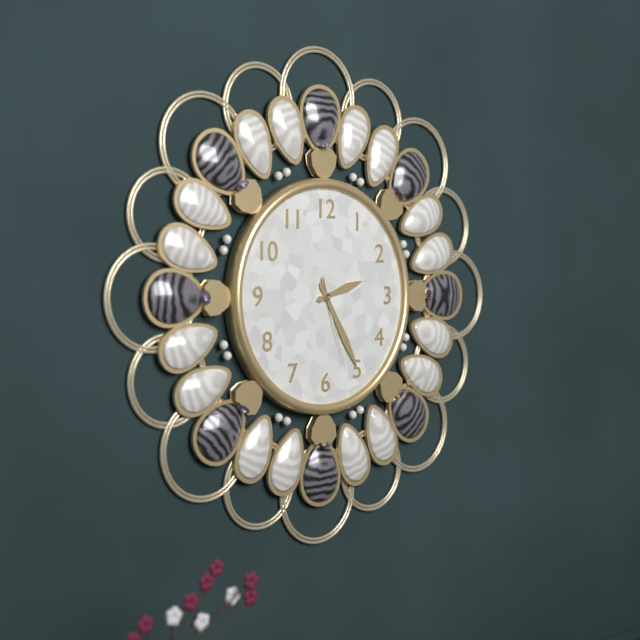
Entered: 2.25.27
